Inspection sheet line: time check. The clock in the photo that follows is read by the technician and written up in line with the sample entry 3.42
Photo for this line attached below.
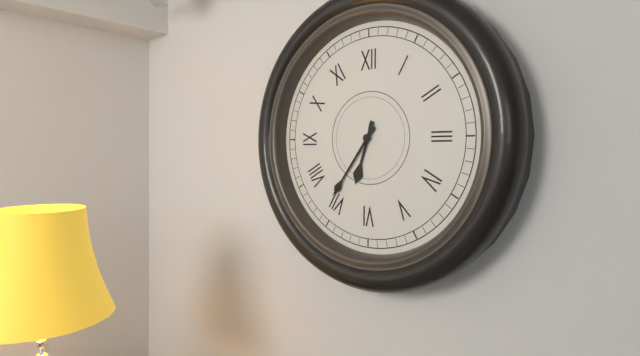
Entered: 6.36
